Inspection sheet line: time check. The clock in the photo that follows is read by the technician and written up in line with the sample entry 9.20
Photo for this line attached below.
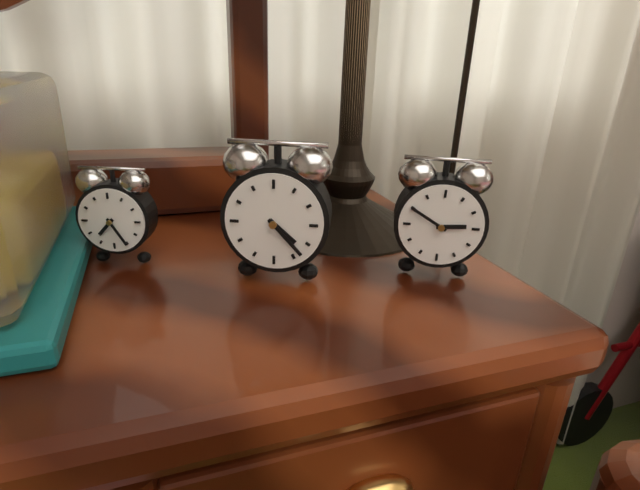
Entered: 4.23
